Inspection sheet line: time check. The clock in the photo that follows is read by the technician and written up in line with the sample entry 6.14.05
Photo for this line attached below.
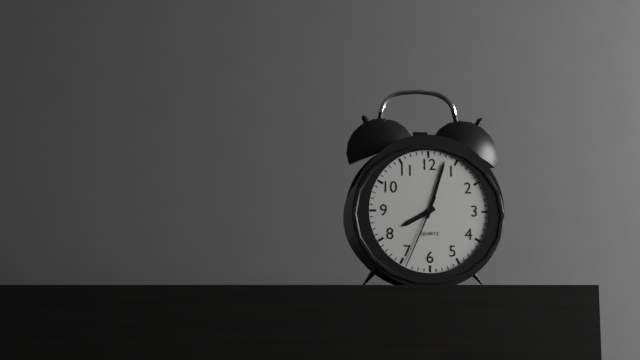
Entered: 8.03.34
